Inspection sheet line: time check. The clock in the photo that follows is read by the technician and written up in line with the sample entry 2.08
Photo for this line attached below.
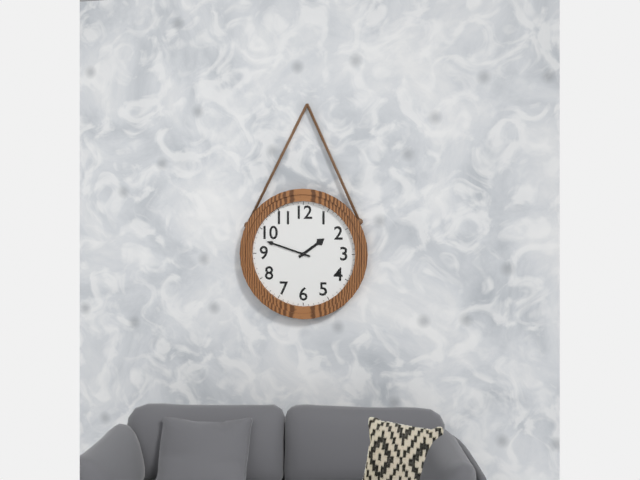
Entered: 1.48
